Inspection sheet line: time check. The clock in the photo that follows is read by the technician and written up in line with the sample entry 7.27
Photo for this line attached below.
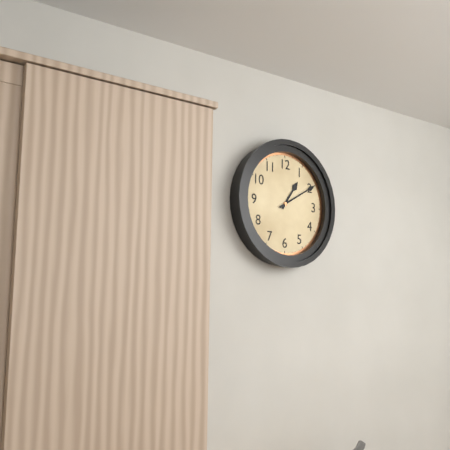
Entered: 1.10
